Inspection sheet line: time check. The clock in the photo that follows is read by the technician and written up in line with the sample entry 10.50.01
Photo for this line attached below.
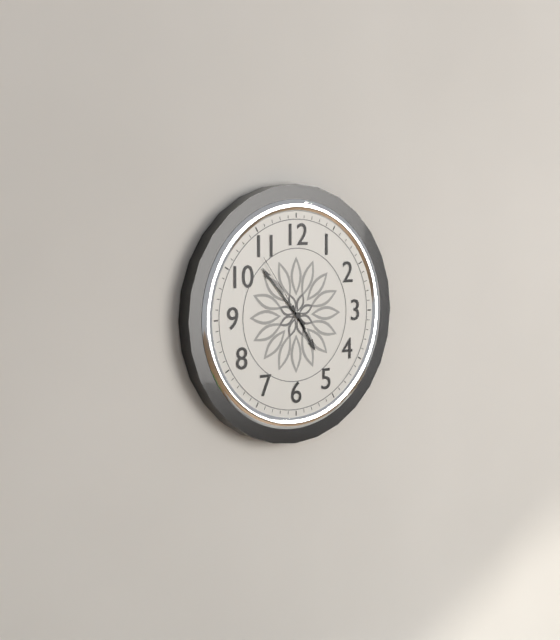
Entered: 4.53.54
